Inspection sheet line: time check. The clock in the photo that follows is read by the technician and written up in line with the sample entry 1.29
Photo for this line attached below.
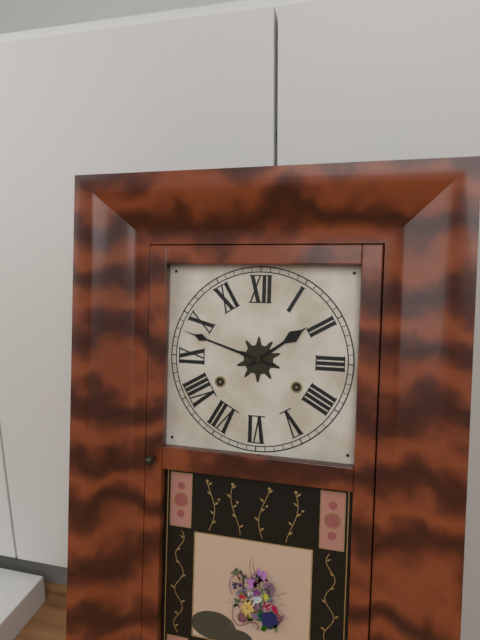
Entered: 1.48
